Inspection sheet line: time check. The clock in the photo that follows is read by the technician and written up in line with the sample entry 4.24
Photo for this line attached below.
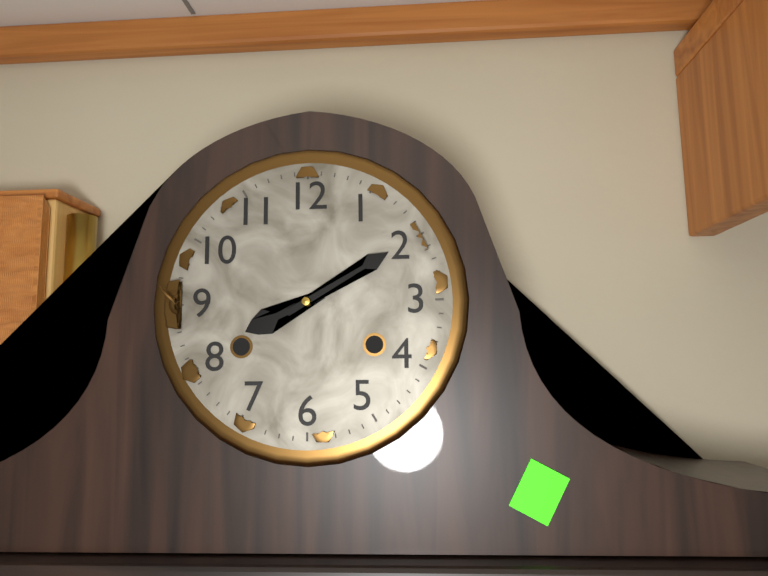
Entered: 8.10
